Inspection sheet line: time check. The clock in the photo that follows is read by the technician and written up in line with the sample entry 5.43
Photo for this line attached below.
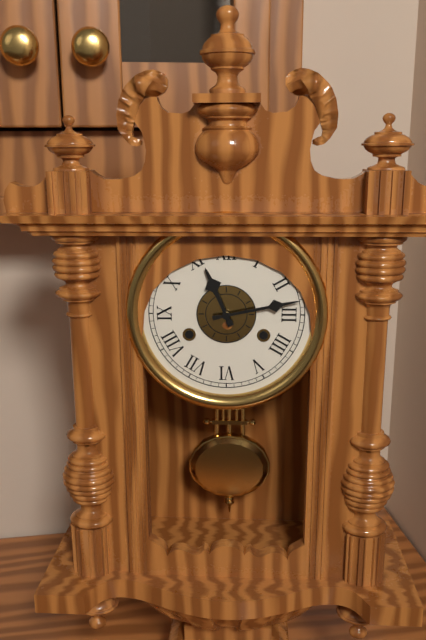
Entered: 11.13
